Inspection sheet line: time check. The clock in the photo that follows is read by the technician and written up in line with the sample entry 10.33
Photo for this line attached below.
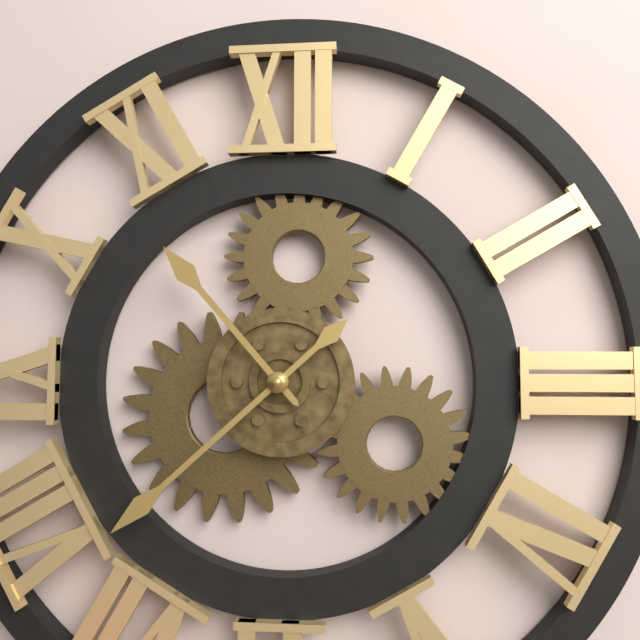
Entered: 10.38
